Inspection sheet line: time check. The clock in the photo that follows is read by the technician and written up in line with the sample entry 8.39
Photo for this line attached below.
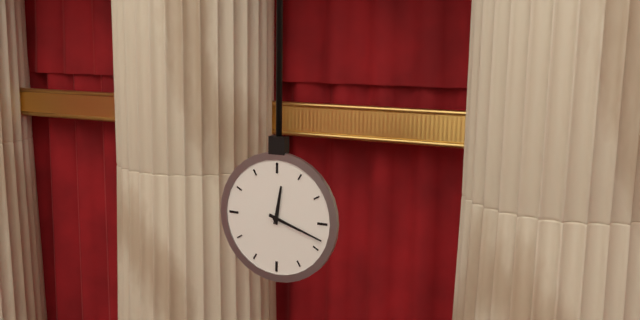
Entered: 12.18
